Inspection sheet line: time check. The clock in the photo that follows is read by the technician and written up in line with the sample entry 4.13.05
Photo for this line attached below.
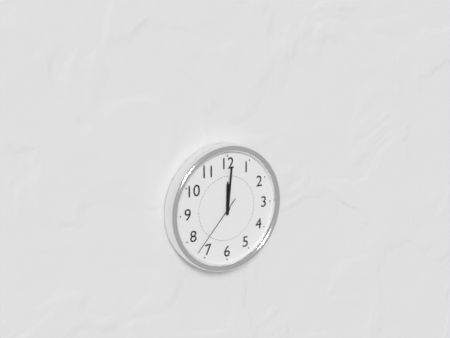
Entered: 12.01.37
